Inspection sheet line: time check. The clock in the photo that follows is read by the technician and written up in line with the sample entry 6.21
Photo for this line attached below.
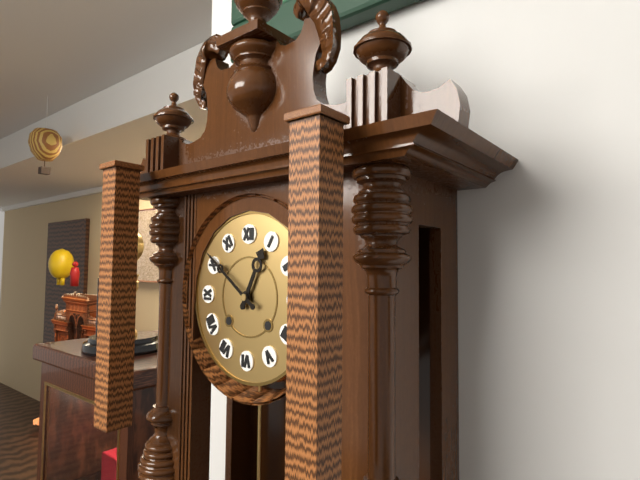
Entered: 12.51
